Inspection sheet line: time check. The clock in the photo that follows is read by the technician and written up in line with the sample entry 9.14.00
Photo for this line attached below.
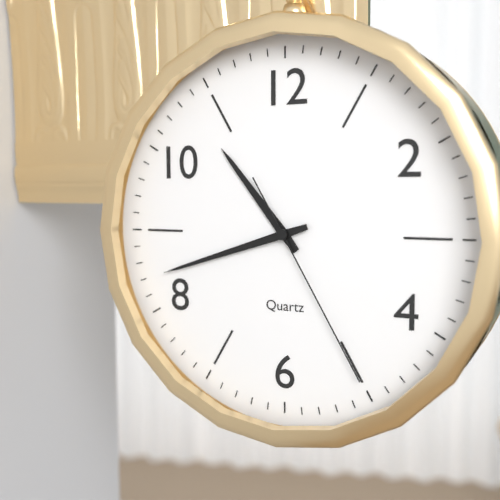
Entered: 10.42.25
